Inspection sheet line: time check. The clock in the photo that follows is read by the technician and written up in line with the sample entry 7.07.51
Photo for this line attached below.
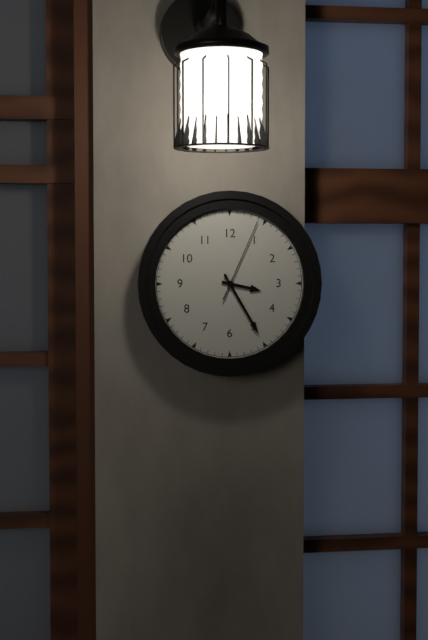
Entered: 3.25.04
